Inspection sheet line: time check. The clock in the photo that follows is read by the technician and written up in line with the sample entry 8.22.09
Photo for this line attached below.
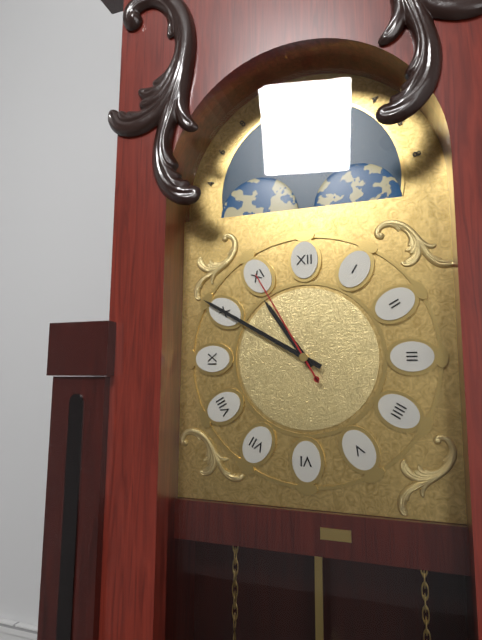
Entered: 10.50.55
